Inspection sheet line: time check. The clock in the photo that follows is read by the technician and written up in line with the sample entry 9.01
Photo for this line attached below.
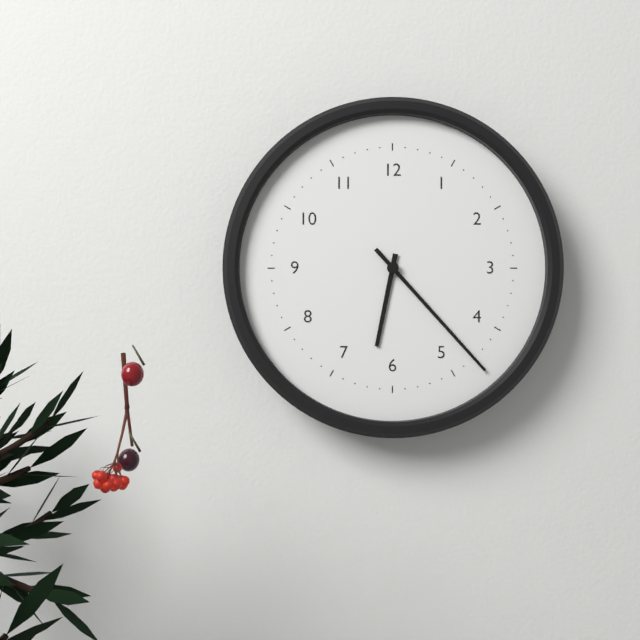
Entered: 6.23
